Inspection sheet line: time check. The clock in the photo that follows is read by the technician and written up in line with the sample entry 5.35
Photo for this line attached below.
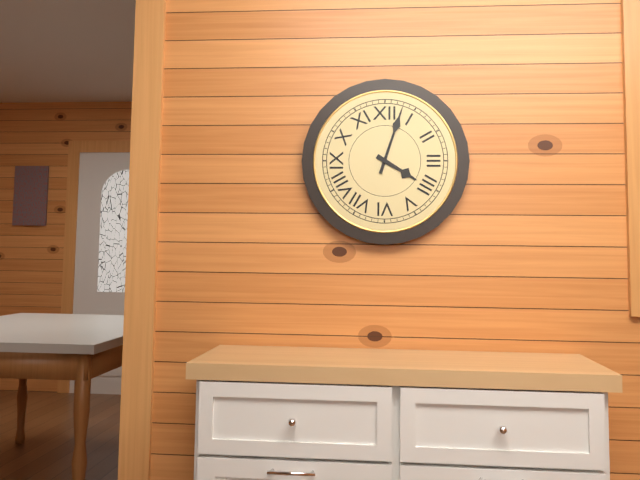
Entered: 4.03
